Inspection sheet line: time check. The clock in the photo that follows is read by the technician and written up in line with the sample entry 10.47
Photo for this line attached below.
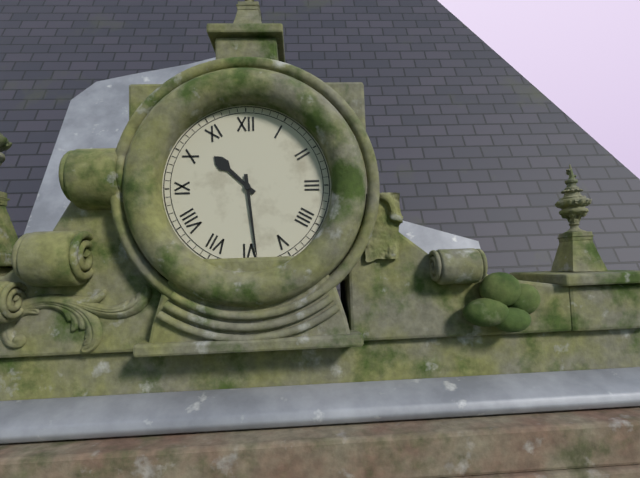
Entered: 10.29
